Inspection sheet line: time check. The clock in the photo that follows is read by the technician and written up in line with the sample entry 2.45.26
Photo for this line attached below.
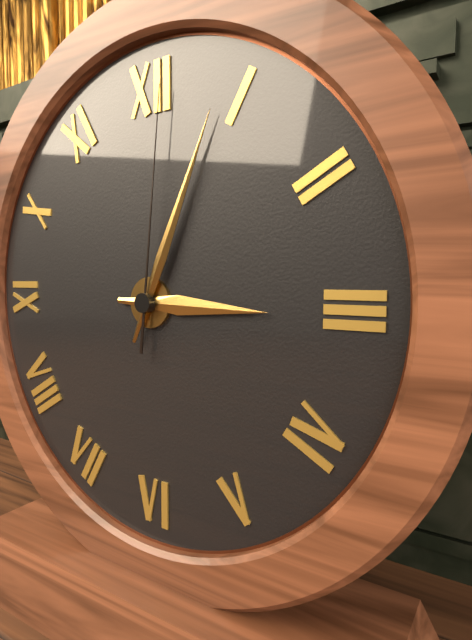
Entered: 3.04.01
